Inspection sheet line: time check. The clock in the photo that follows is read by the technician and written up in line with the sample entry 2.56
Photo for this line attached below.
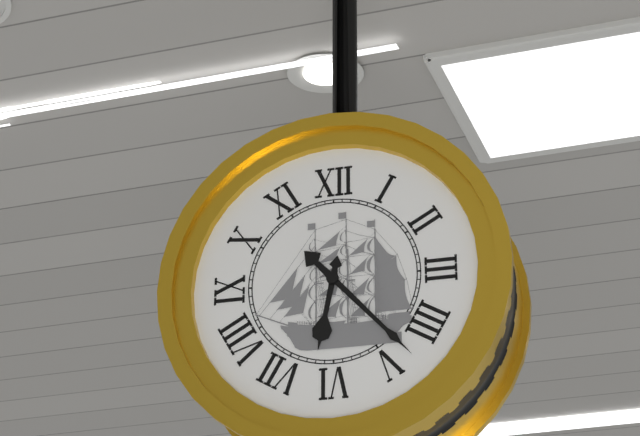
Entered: 6.23
